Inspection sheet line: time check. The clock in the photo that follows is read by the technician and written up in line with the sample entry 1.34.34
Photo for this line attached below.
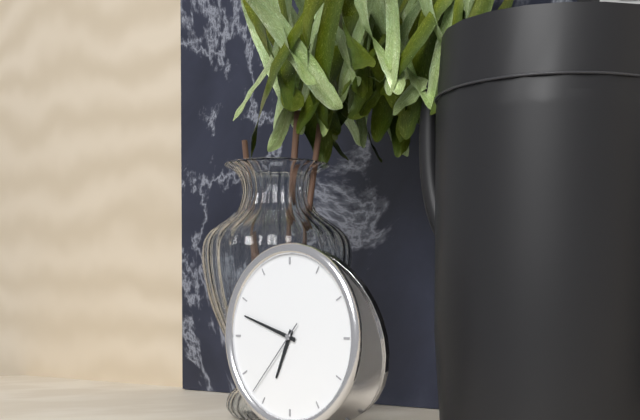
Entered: 6.48.37
